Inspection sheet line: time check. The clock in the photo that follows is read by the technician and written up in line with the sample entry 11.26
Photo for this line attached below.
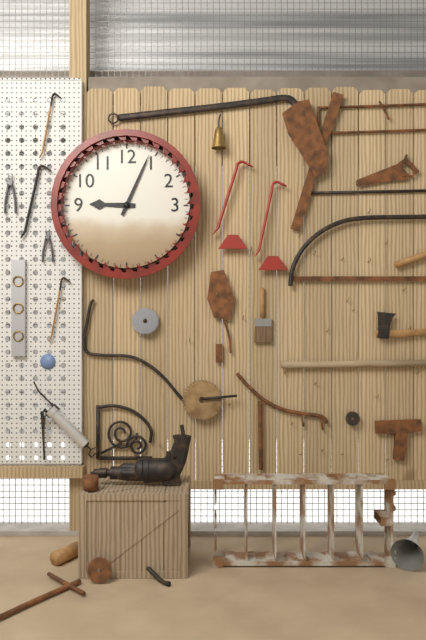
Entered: 9.04
